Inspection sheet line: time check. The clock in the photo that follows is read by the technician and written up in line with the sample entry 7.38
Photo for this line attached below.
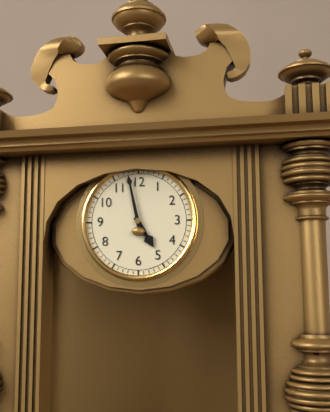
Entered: 4.58
